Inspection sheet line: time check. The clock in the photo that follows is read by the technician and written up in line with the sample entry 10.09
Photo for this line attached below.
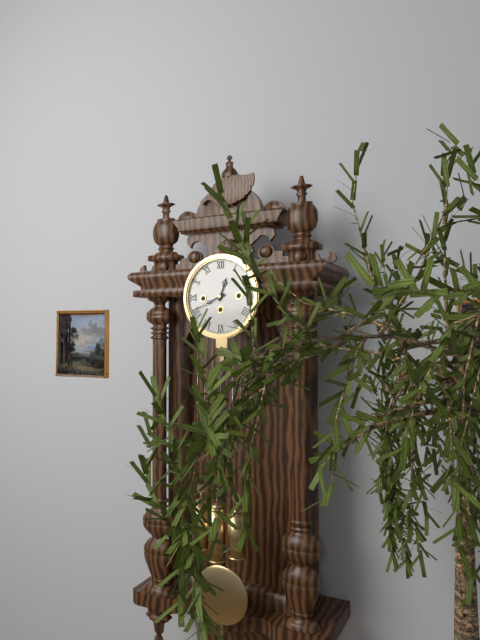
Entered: 12.41
